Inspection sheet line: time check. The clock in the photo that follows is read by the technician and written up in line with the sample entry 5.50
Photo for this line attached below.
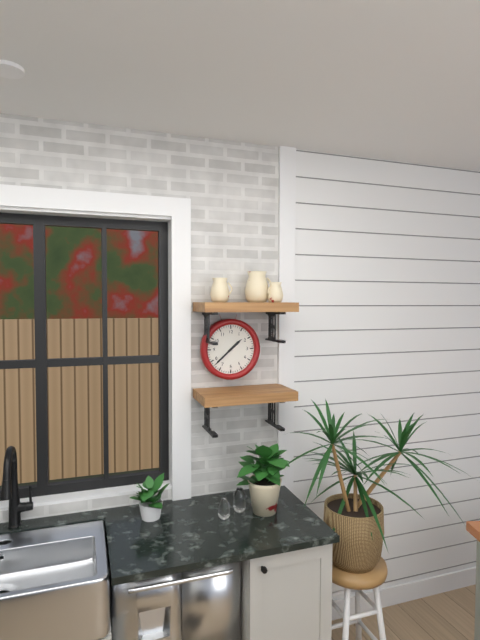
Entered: 1.38
